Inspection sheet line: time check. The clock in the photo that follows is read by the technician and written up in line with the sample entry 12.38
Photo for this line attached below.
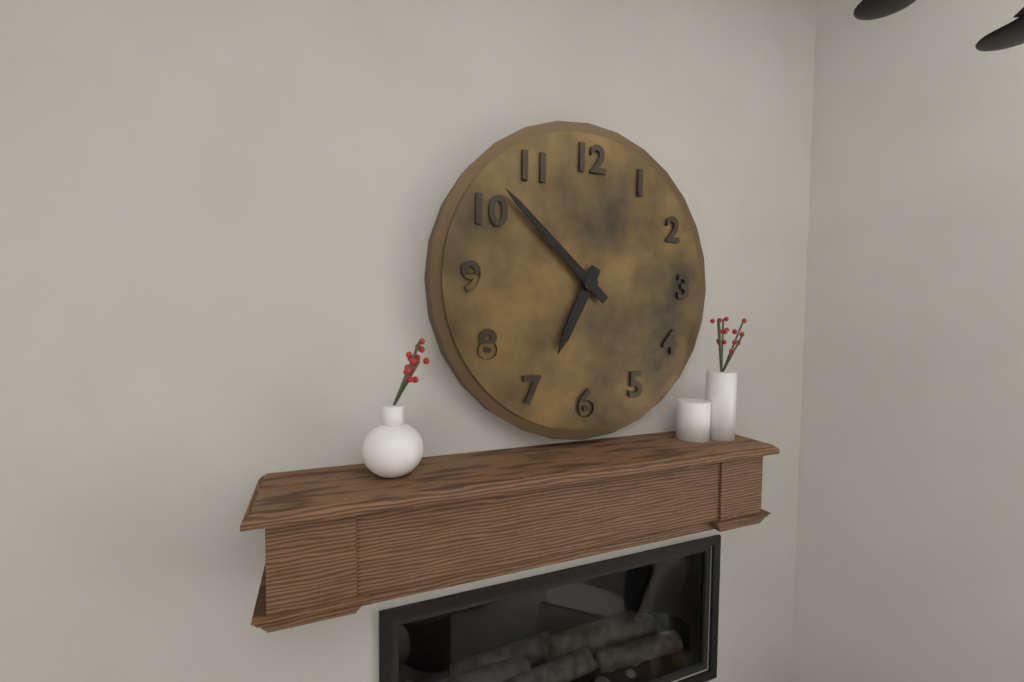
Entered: 6.52
